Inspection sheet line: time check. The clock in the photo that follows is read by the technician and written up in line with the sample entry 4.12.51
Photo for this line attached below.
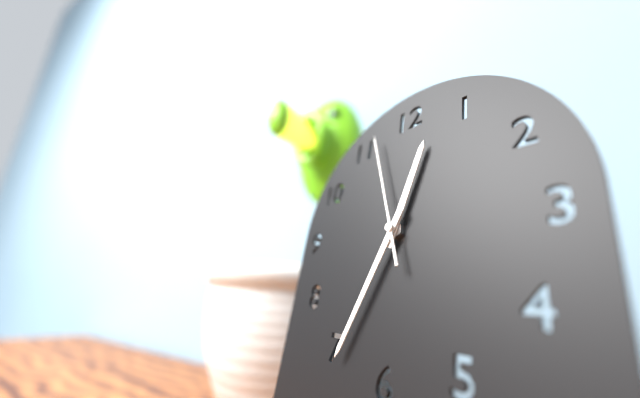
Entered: 12.34.57
